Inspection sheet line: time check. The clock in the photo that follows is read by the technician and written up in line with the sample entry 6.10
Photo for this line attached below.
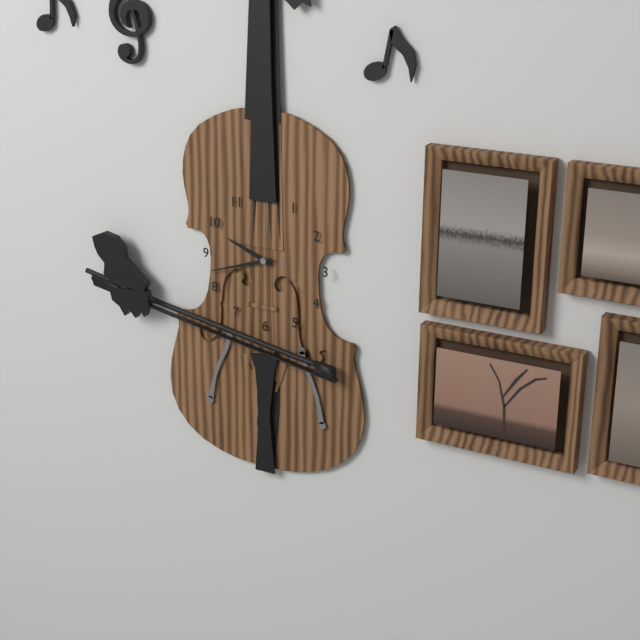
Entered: 9.42
